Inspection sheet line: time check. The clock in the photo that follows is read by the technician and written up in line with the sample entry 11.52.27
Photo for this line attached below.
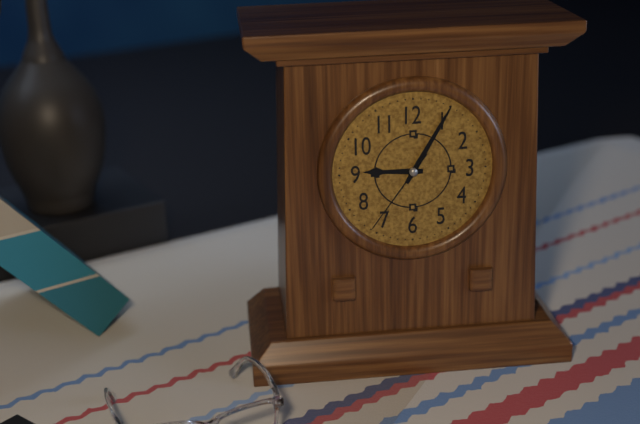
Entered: 9.05.36
